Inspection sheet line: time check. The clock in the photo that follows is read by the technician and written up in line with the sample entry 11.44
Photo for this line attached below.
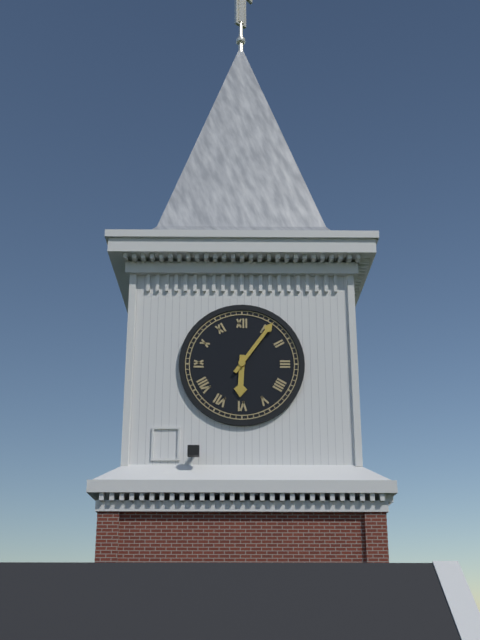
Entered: 6.06
